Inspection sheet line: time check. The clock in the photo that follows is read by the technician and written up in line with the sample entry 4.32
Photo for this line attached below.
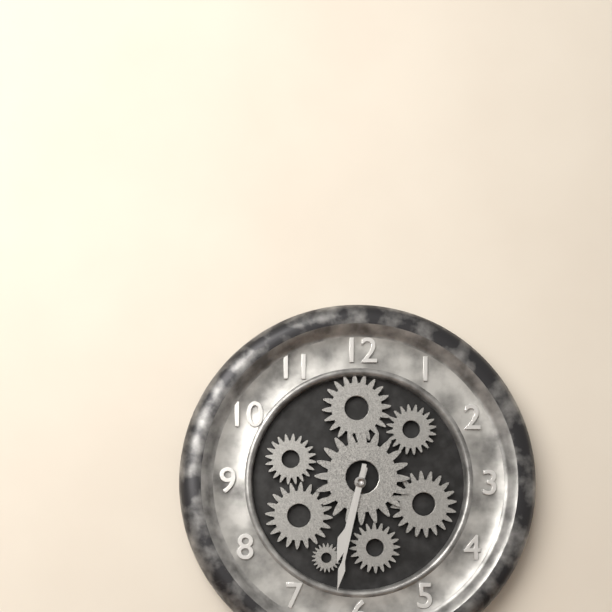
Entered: 6.32
